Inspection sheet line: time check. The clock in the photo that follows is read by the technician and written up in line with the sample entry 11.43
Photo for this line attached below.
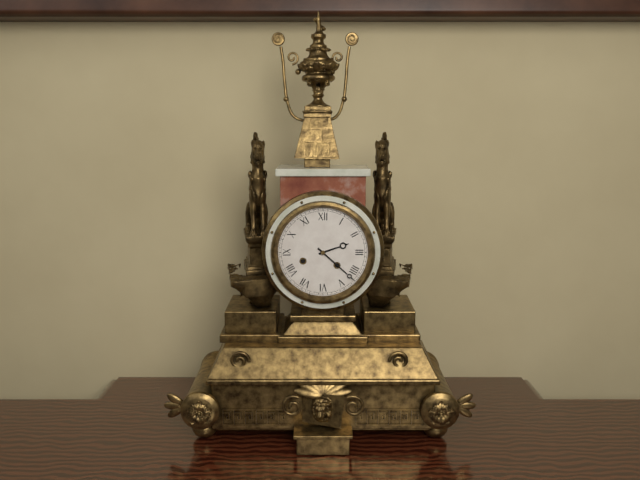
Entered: 2.22
